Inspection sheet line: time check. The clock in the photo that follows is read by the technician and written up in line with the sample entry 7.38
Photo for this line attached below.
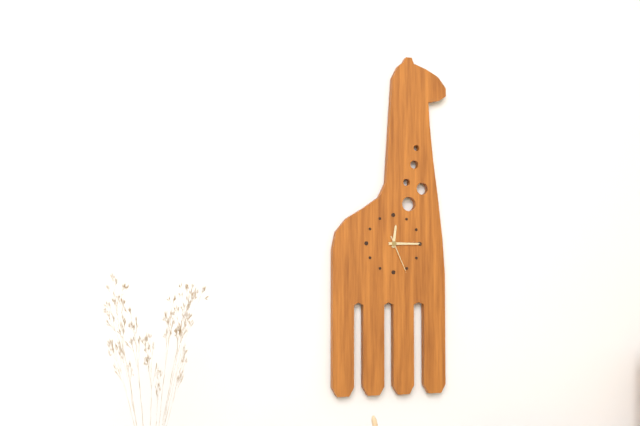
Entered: 12.15
